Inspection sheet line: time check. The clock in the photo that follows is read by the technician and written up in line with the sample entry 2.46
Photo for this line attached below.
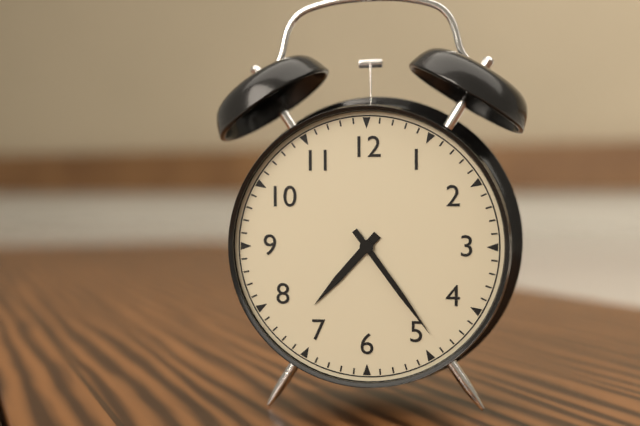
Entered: 7.24
